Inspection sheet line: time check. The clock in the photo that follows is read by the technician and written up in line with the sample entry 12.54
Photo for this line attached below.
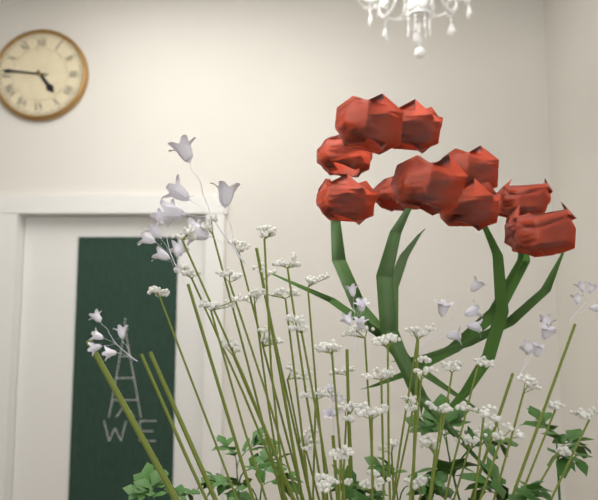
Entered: 4.46
